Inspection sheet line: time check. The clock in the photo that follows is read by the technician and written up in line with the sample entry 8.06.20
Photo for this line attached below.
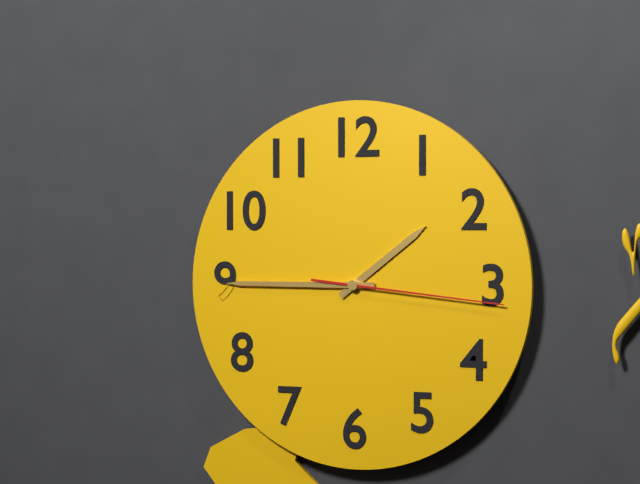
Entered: 1.45.16
